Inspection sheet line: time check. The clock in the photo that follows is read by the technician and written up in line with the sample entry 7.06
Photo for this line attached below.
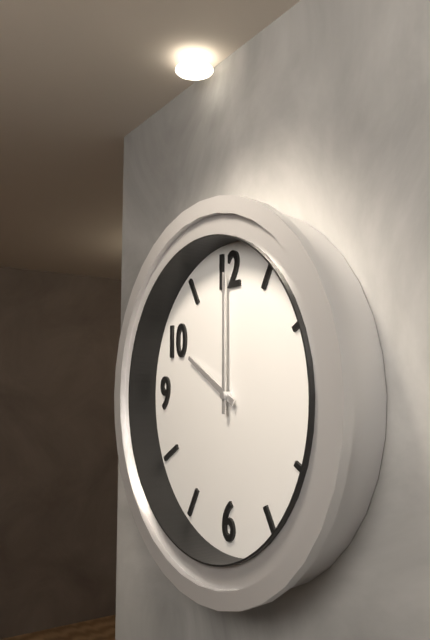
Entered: 10.00
